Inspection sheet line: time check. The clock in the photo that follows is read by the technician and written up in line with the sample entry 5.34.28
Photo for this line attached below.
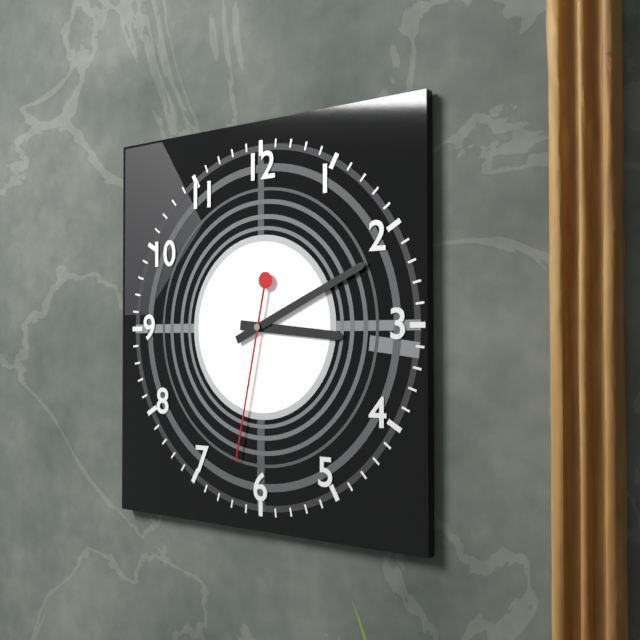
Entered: 3.11.32
